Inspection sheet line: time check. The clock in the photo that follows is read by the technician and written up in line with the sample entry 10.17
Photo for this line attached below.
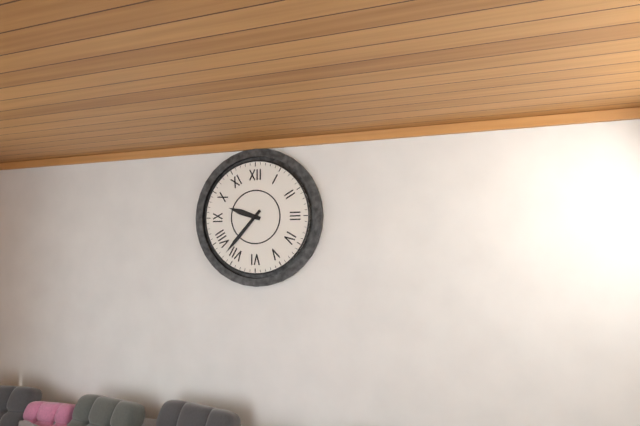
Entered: 9.37
